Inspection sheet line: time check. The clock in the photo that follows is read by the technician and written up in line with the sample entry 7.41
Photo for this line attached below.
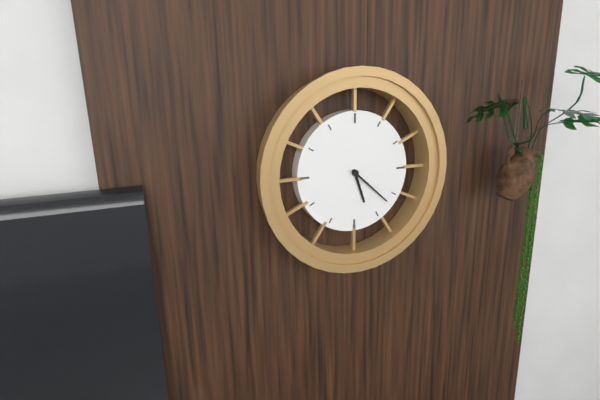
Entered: 5.22
